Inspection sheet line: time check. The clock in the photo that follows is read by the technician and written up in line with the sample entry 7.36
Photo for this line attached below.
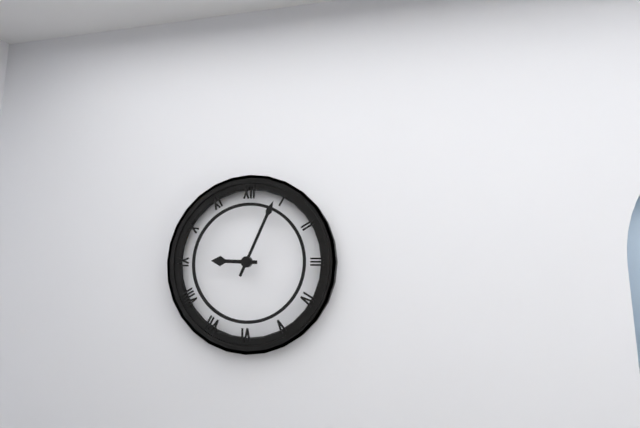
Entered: 9.04
